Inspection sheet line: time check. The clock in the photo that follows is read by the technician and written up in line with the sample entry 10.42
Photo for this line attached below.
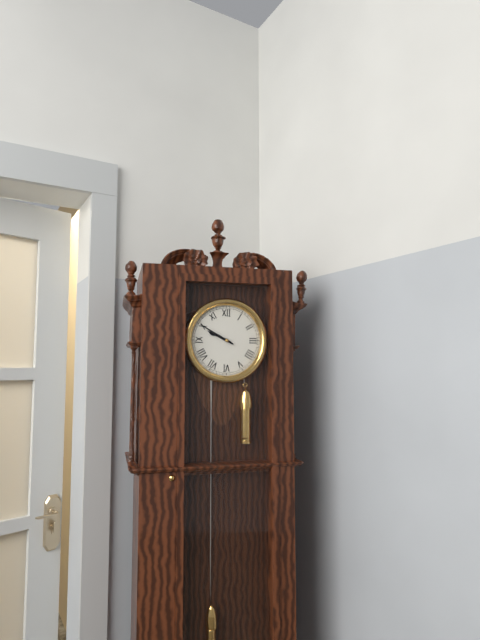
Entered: 9.50
